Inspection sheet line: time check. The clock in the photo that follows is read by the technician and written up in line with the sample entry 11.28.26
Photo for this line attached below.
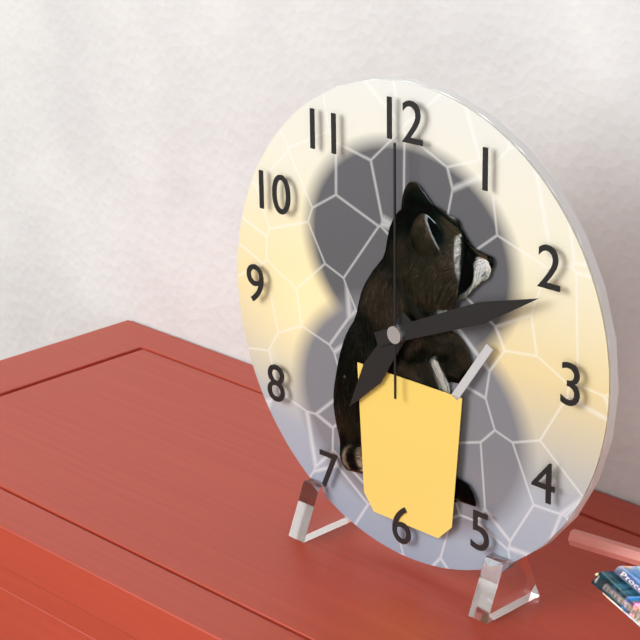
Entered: 7.11.00
